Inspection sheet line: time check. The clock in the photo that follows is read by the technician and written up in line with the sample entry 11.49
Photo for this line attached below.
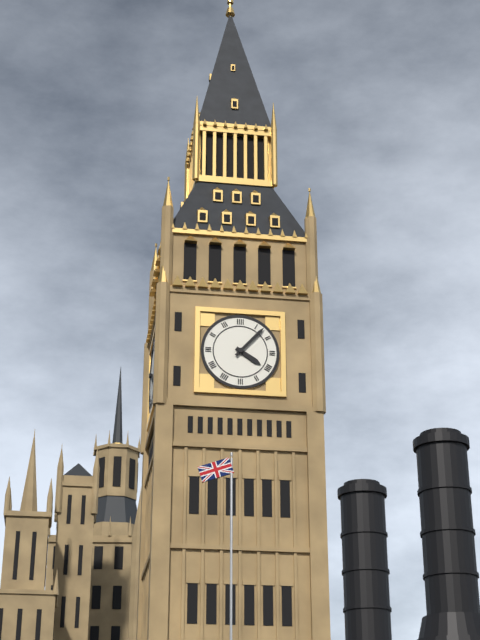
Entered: 4.07
